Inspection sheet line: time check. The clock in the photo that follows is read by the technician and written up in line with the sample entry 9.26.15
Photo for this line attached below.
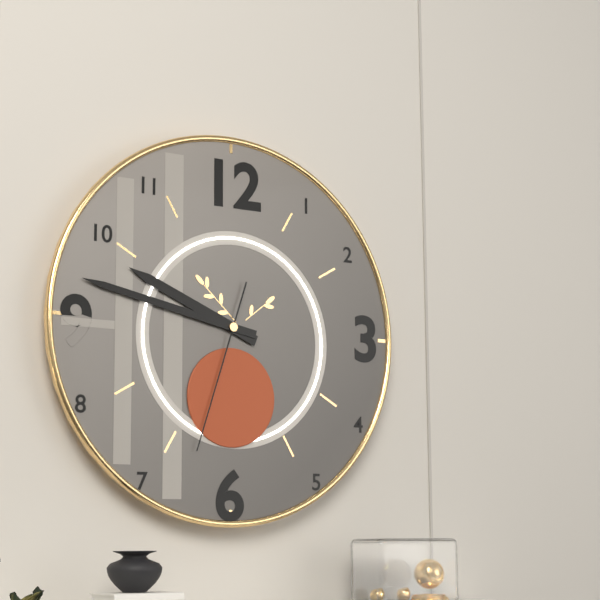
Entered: 9.47.33
